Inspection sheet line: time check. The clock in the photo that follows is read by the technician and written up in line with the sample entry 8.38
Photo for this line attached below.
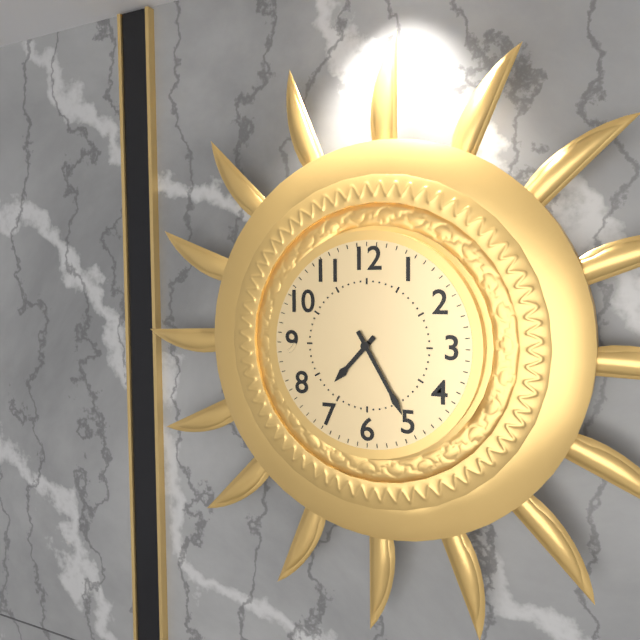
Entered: 7.25
